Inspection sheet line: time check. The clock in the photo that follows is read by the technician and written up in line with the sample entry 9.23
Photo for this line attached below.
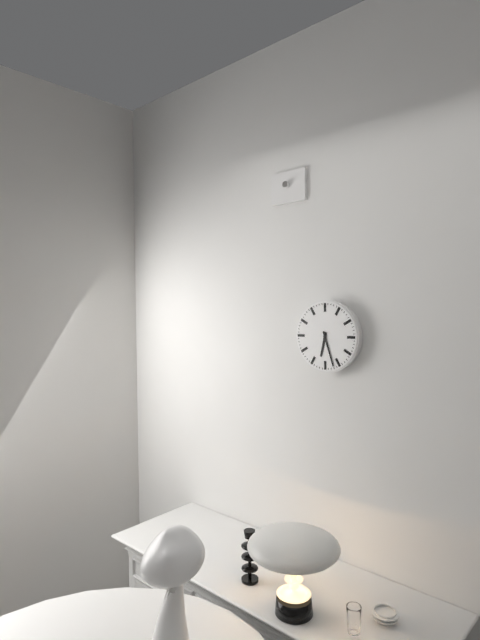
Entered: 6.27
